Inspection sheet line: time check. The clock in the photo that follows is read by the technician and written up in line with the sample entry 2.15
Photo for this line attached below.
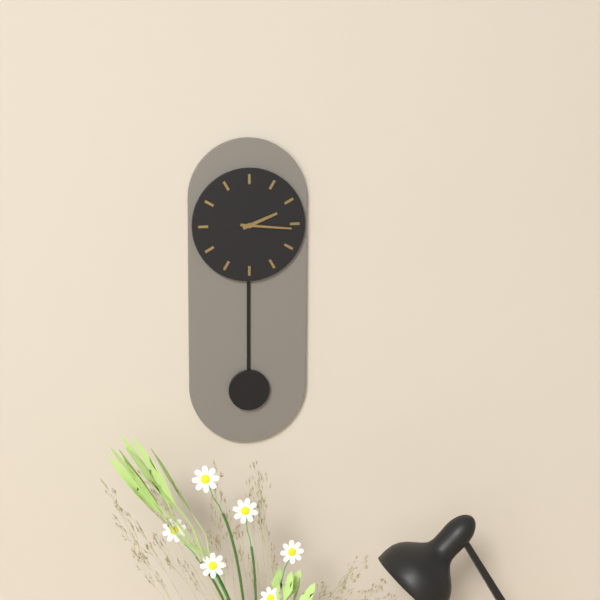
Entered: 2.16
